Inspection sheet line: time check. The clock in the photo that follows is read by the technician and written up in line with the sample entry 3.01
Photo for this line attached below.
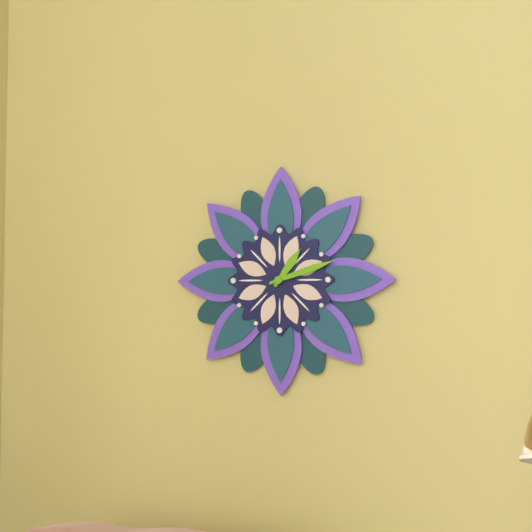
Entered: 1.12
